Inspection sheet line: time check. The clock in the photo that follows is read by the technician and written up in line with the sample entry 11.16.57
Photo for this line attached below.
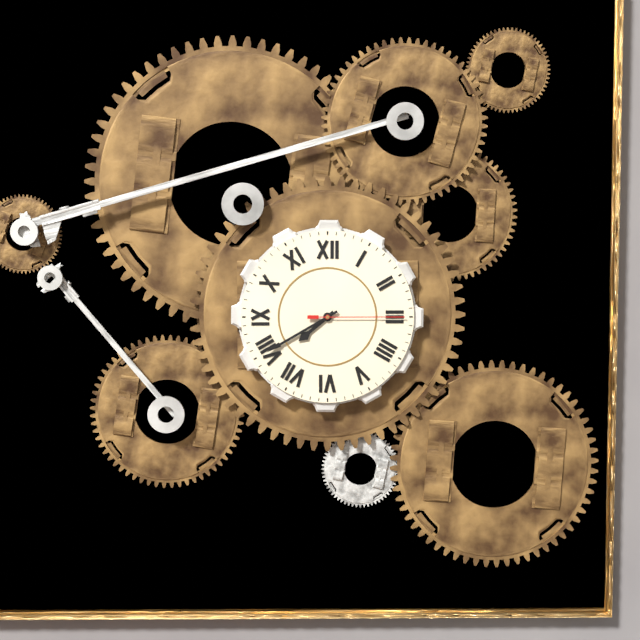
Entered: 7.40.15
